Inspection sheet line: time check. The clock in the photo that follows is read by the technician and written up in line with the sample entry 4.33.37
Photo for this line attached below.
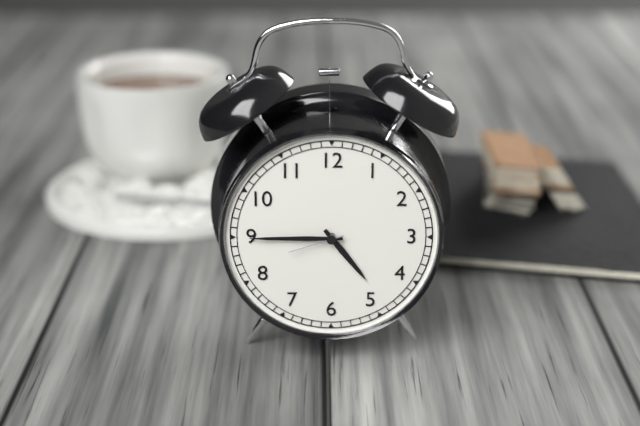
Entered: 4.45.42
